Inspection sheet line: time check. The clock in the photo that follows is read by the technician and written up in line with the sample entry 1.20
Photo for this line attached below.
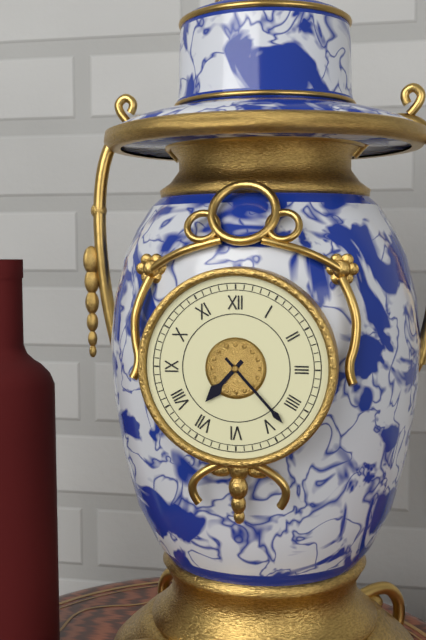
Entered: 7.23
